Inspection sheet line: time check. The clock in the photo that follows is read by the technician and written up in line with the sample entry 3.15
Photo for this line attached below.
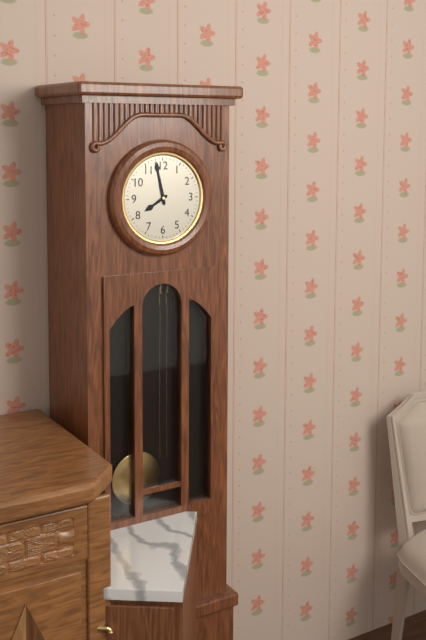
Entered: 7.58
